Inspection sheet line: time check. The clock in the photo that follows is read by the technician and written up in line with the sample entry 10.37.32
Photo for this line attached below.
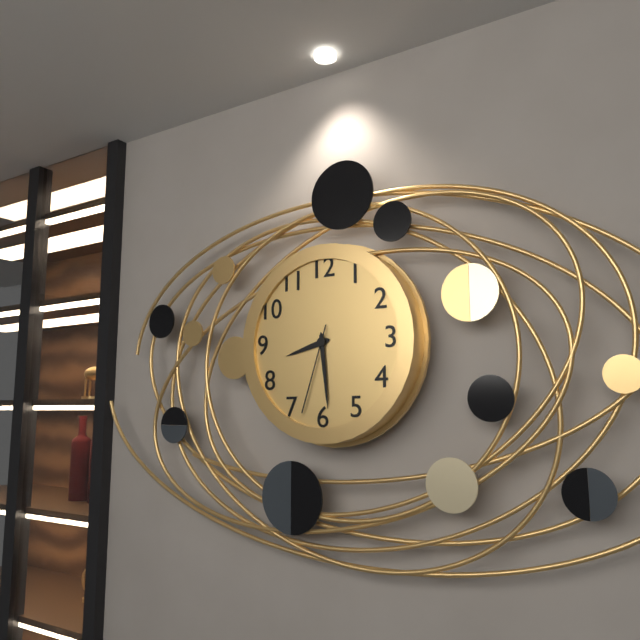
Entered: 8.29.33
